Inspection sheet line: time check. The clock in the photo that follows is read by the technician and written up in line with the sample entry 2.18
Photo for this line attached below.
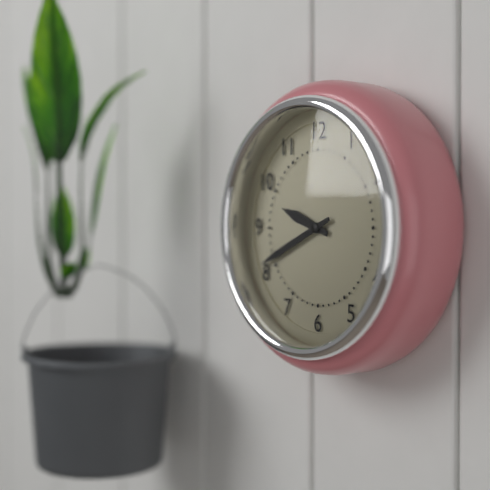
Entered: 9.41
